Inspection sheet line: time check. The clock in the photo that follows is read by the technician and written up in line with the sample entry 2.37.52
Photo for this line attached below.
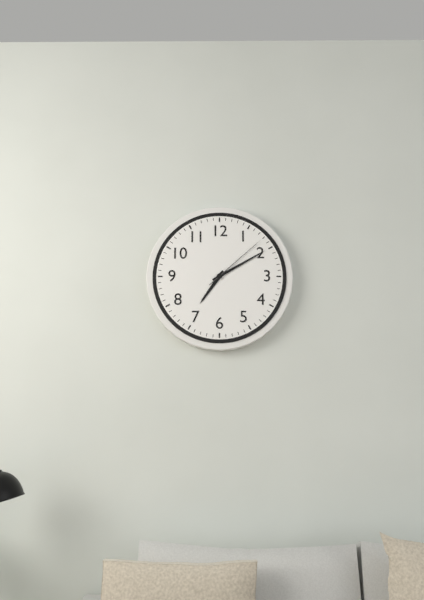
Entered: 7.10.08
